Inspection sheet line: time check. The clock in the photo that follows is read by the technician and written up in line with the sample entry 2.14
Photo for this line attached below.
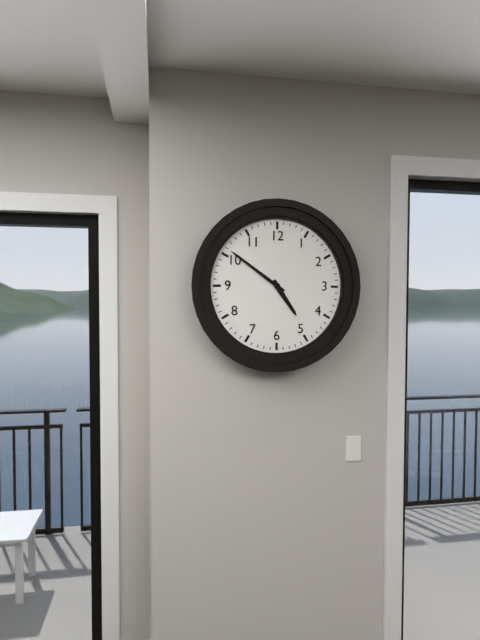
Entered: 4.51
